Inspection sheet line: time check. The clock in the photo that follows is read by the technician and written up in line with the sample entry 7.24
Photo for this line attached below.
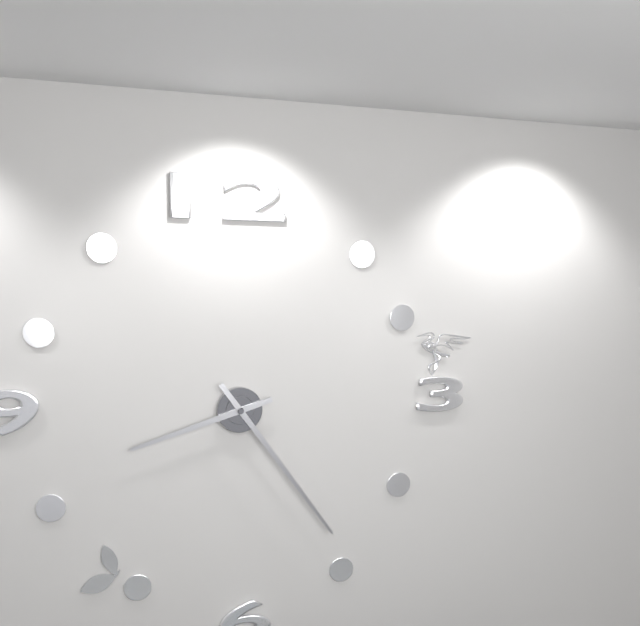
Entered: 8.24
